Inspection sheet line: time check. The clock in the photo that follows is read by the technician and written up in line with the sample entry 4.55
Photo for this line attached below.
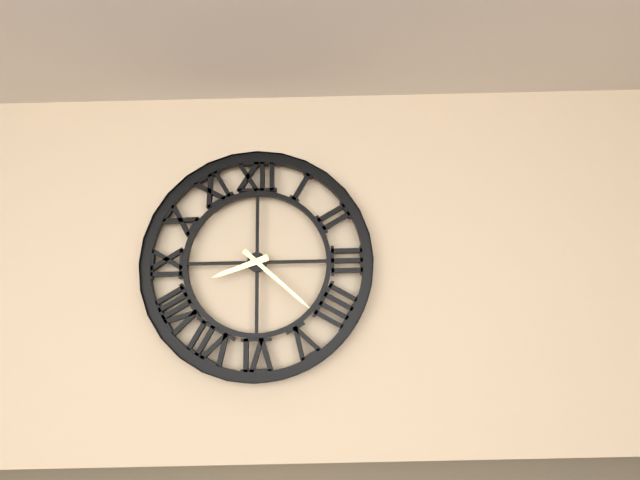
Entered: 8.22
